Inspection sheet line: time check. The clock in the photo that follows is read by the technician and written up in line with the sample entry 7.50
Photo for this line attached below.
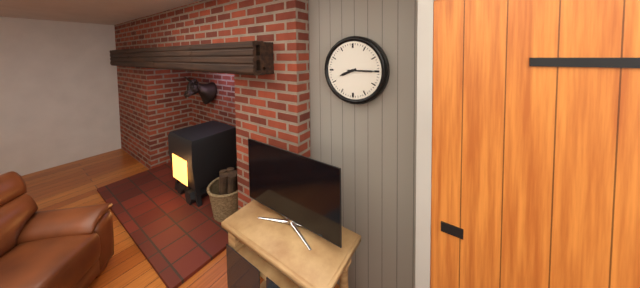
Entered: 8.15
